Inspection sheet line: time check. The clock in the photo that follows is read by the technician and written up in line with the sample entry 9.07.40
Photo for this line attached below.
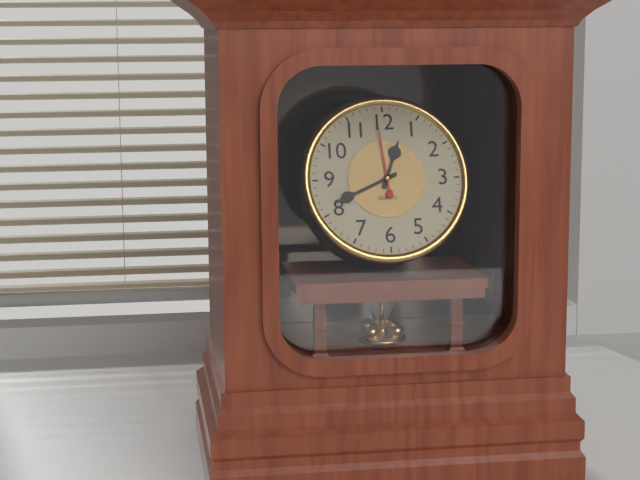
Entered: 12.41.59
